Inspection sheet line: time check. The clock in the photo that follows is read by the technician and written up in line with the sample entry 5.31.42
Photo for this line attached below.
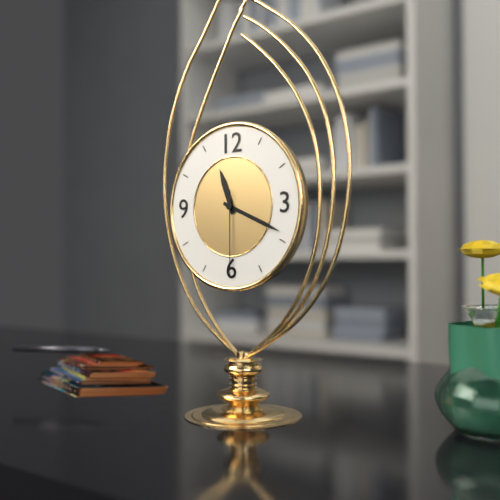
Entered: 11.19.30
